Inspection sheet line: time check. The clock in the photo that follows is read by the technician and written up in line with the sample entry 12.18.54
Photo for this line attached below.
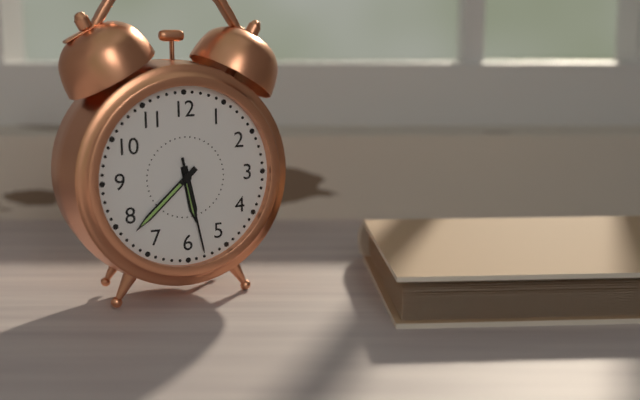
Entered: 5.38.28
